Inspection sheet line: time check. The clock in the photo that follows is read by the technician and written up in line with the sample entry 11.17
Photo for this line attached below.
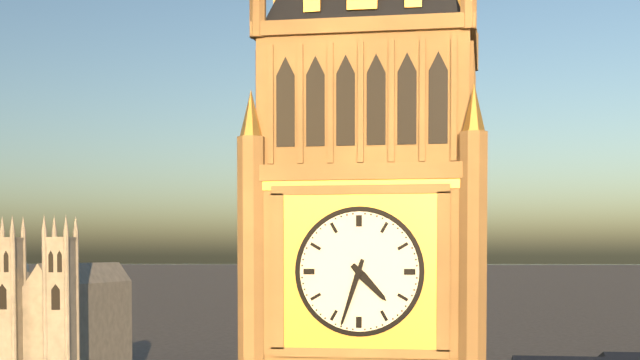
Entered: 4.33
